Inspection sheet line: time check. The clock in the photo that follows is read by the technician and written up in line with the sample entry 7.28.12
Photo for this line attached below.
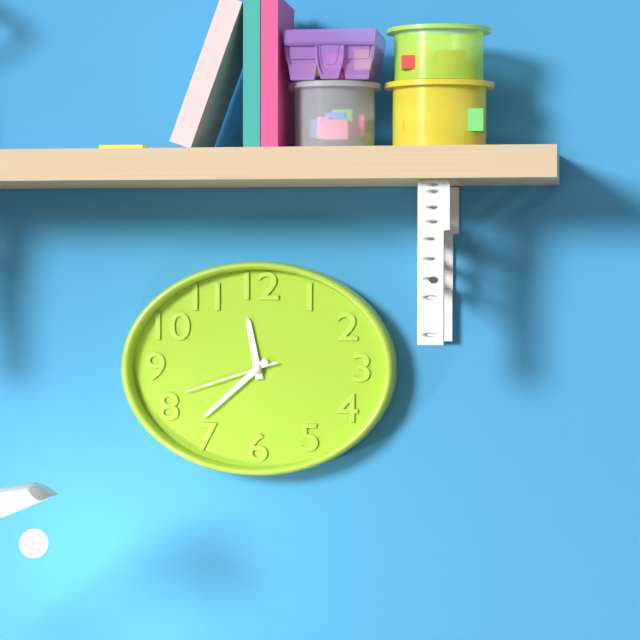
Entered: 11.38.42
